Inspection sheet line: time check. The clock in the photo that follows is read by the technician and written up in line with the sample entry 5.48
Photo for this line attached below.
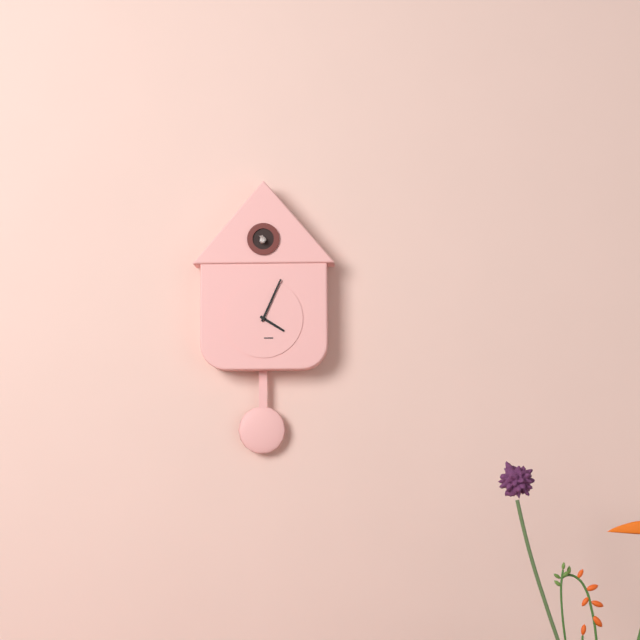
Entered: 4.04
